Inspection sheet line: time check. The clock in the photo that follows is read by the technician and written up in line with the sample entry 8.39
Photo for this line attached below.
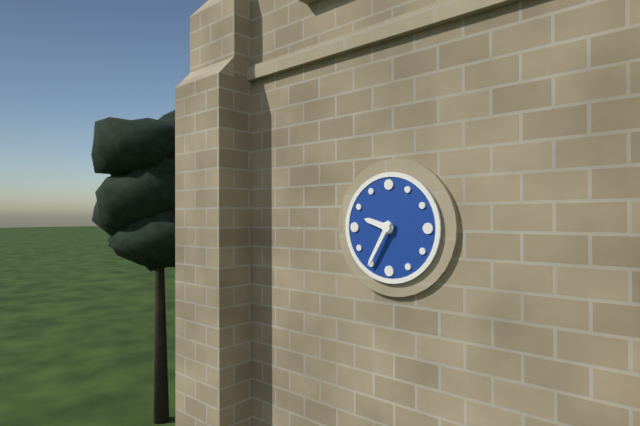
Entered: 9.35
